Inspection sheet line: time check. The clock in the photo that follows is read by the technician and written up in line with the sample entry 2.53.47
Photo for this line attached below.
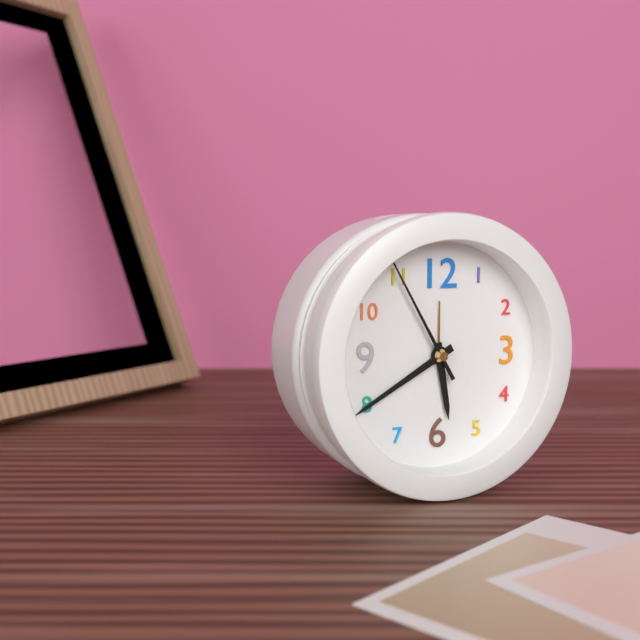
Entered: 5.40.55
